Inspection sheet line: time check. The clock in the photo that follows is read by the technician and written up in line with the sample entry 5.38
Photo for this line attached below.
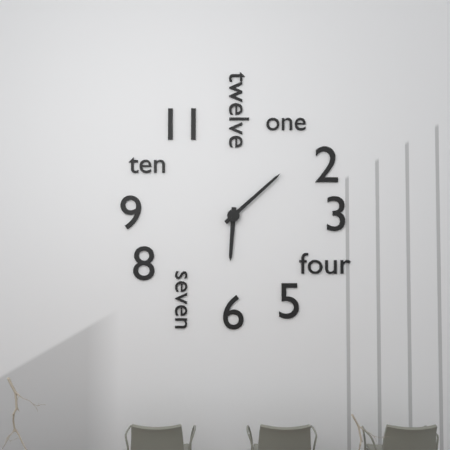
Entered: 6.08
